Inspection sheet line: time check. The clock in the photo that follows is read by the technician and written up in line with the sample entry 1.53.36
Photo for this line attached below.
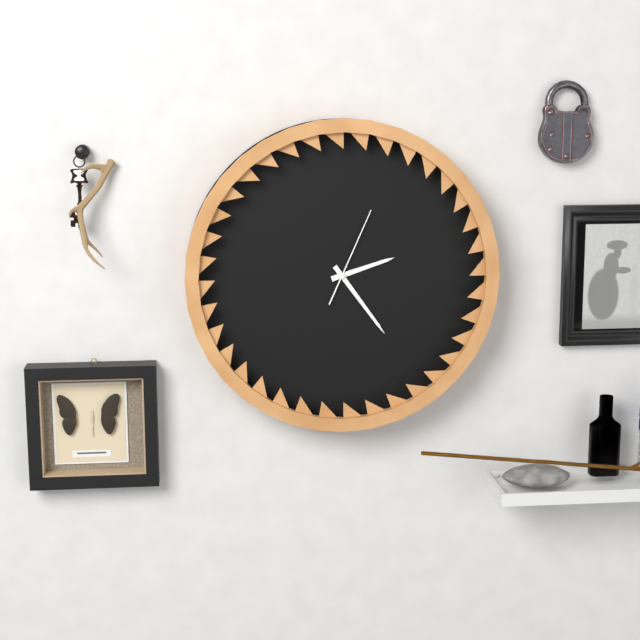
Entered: 2.24.04
